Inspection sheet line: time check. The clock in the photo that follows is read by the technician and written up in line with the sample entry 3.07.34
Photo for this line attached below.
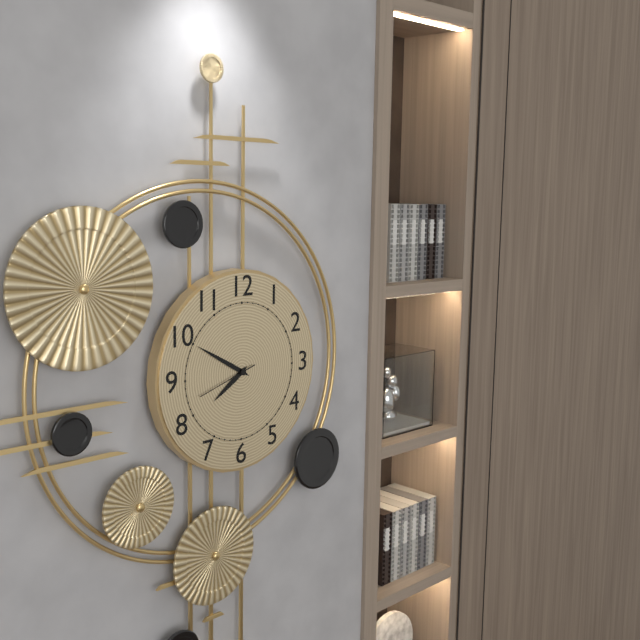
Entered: 7.50.42
